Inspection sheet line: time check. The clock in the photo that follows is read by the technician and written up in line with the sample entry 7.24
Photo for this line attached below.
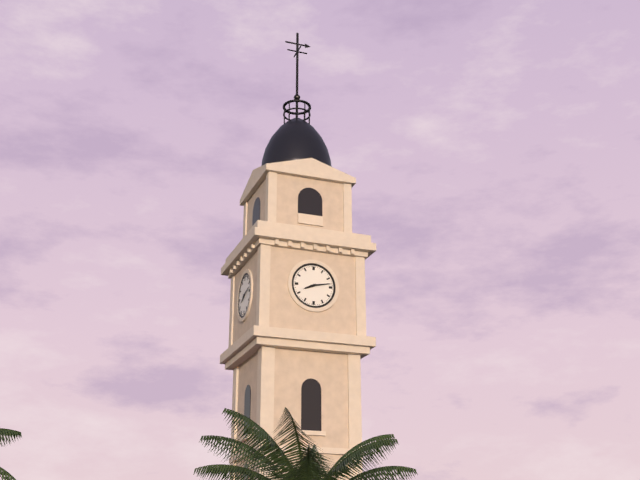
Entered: 8.13
